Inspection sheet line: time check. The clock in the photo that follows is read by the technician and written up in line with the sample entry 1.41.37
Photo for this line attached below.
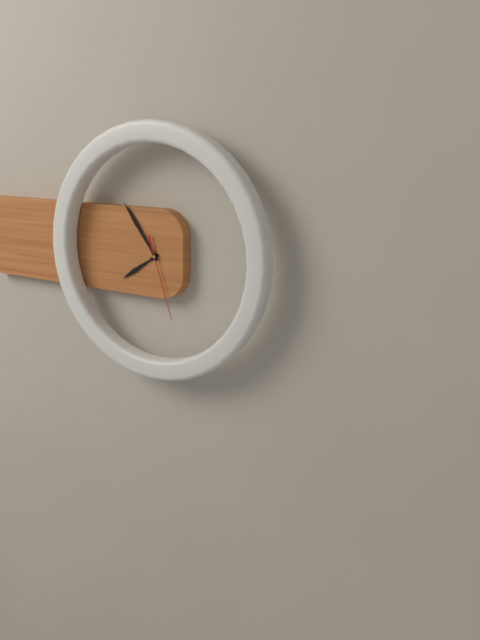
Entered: 7.54.27
